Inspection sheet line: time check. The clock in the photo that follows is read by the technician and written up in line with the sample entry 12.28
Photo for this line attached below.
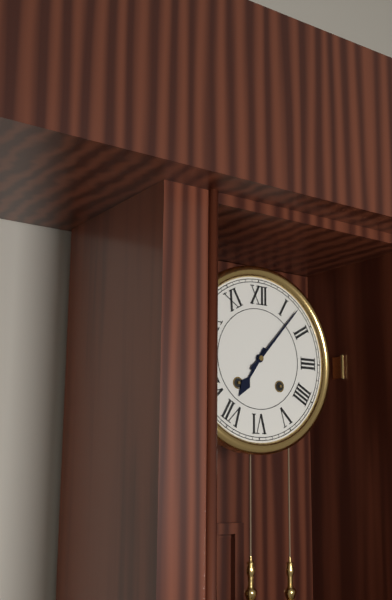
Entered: 7.07
